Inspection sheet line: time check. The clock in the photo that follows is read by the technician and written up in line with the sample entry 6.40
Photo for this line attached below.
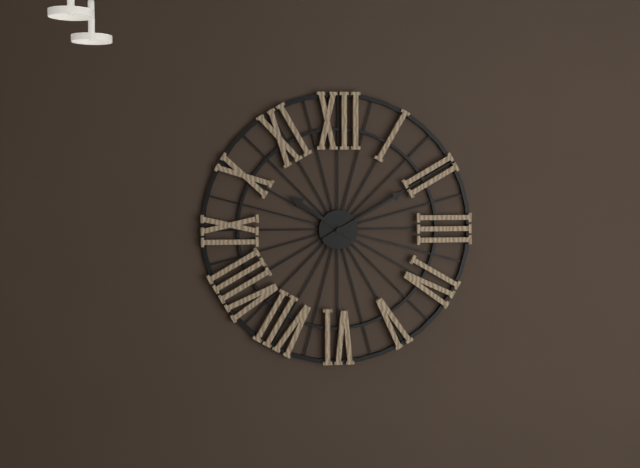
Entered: 10.10
